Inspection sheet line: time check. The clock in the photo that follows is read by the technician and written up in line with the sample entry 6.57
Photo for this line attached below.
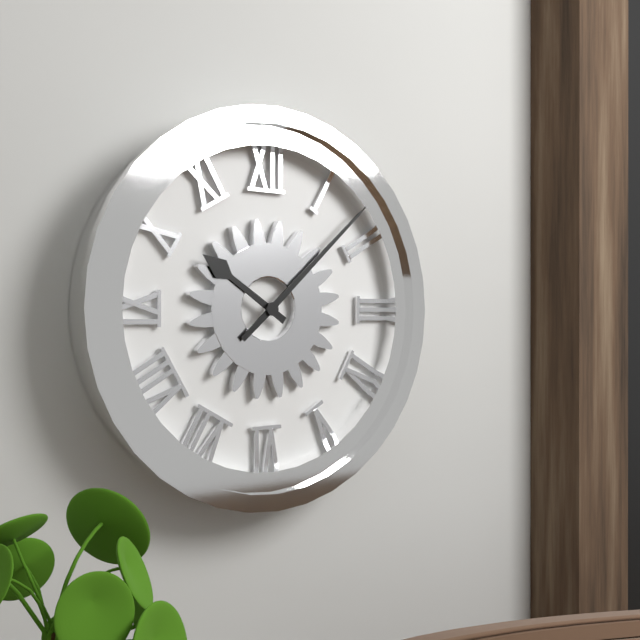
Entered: 10.08
